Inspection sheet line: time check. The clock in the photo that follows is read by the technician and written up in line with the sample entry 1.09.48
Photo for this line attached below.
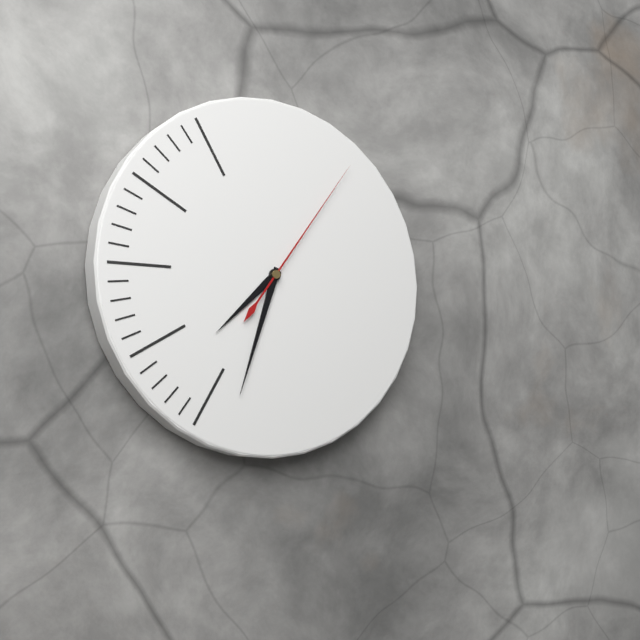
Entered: 7.33.06
